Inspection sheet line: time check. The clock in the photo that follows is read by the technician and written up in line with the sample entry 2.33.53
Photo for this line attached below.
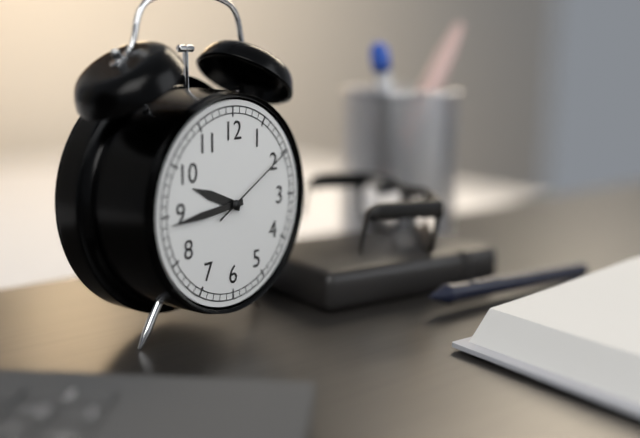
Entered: 9.44.10
